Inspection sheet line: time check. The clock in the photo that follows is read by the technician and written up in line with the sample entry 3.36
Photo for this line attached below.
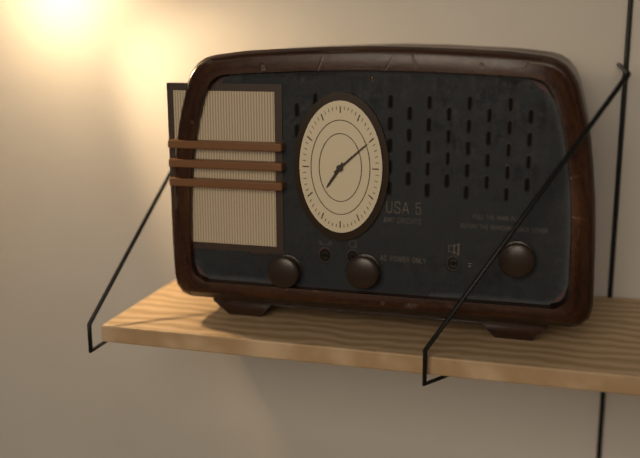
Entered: 7.08
